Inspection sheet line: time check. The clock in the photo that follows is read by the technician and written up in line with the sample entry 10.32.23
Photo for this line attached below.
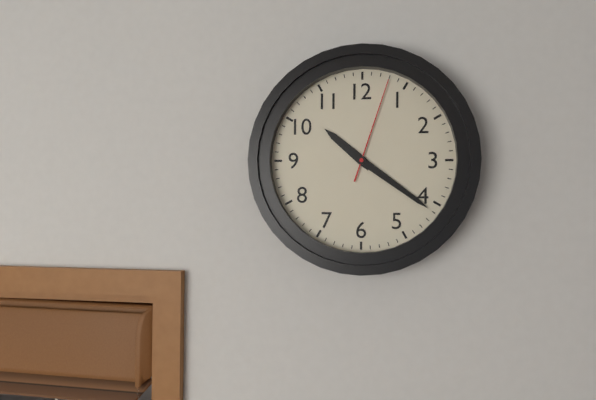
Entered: 10.21.03
